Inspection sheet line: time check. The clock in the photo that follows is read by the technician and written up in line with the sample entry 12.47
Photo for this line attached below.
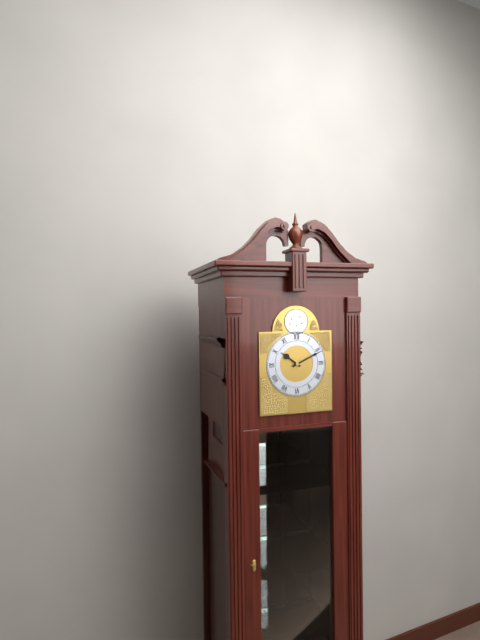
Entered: 10.11
